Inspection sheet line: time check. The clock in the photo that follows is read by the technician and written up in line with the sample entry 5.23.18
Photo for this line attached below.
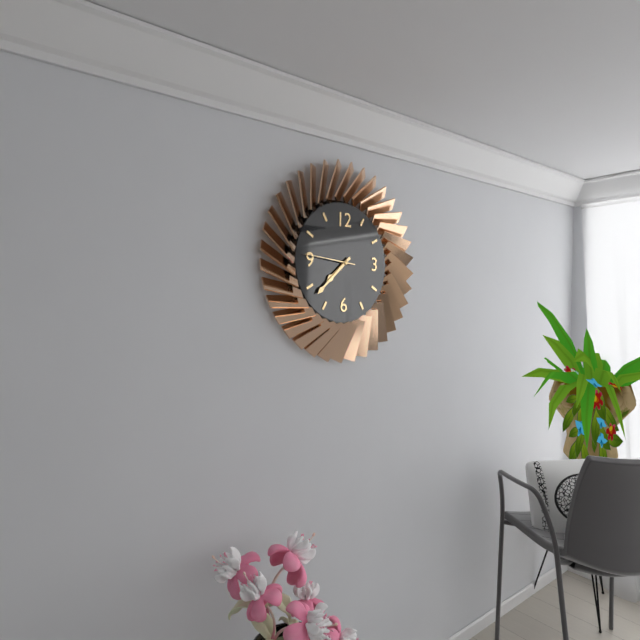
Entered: 7.38.46
